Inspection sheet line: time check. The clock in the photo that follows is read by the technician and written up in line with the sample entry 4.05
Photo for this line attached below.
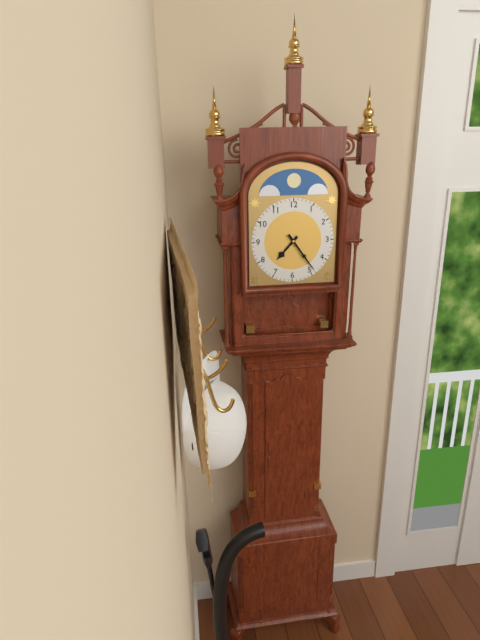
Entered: 7.24
